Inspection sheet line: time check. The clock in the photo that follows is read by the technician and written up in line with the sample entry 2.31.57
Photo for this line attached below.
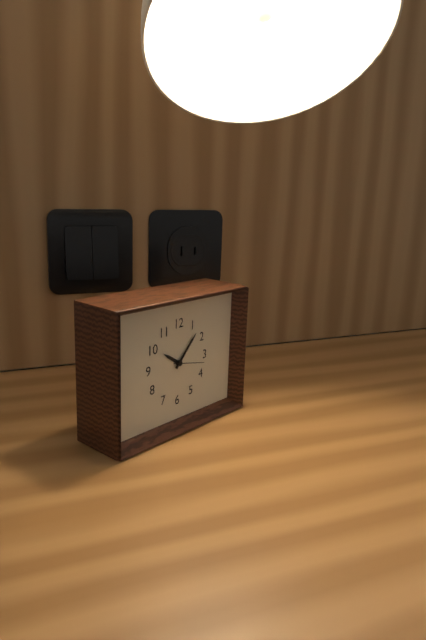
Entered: 10.07.17
